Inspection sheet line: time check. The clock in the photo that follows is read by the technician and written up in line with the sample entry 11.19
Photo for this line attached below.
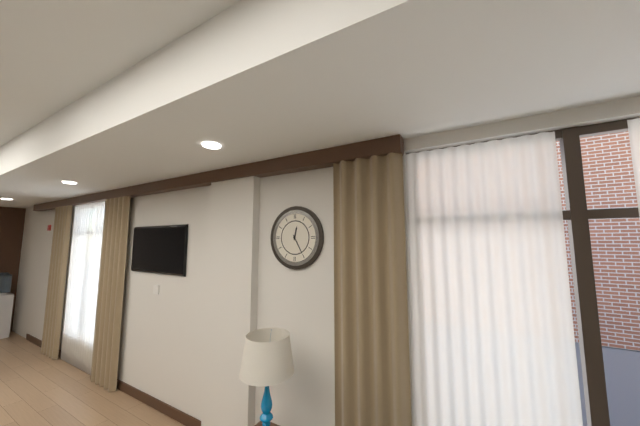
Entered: 12.25
